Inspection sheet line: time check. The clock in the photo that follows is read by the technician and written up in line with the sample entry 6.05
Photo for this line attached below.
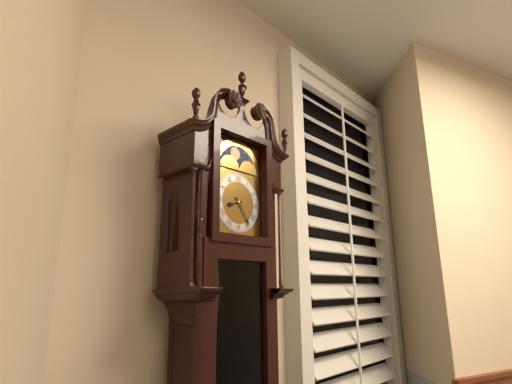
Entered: 8.24
